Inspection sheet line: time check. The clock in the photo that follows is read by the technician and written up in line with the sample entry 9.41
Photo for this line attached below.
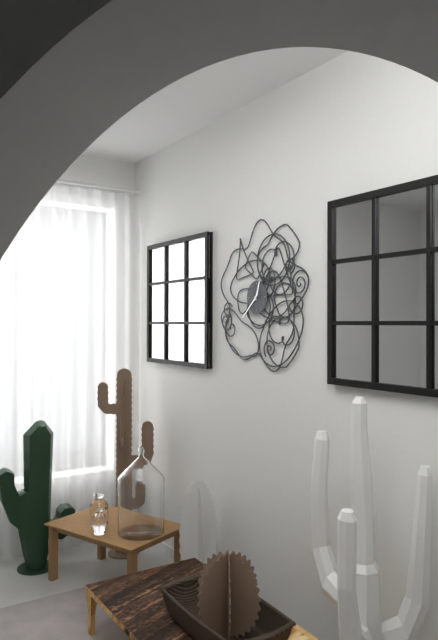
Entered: 12.38
